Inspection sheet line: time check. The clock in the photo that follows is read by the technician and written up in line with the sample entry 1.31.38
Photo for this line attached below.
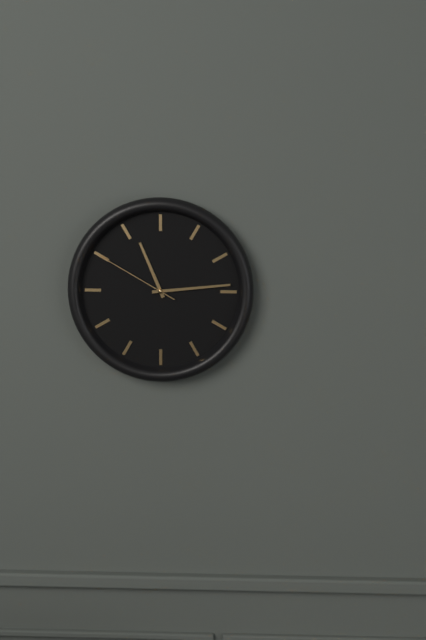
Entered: 11.14.50
